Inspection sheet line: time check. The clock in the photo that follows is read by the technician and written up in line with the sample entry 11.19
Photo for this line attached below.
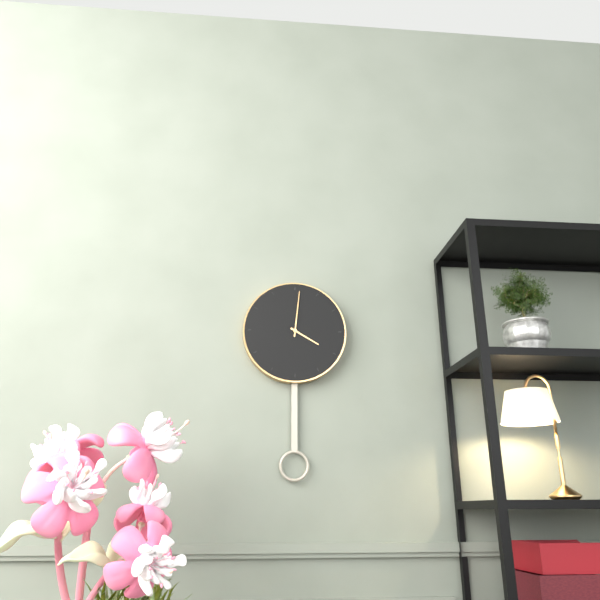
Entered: 4.01
